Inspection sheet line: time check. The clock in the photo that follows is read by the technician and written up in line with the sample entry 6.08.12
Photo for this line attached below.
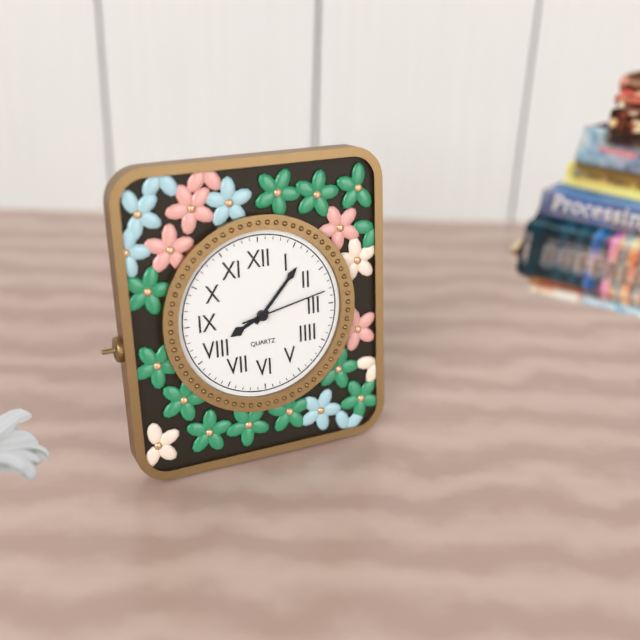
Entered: 8.07.13
